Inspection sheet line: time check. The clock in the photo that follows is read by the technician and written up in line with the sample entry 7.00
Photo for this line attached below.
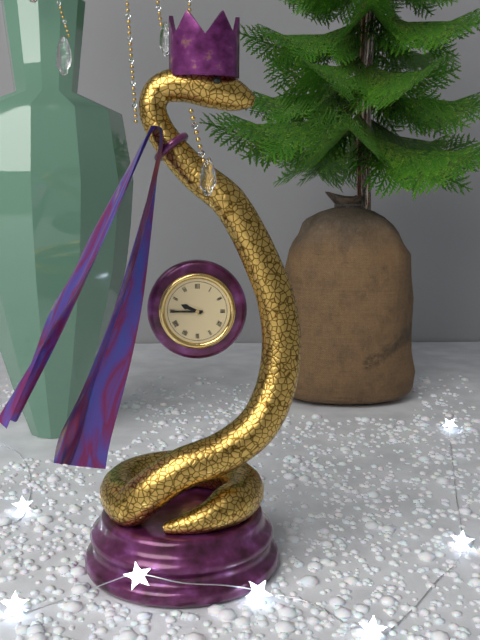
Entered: 9.45
